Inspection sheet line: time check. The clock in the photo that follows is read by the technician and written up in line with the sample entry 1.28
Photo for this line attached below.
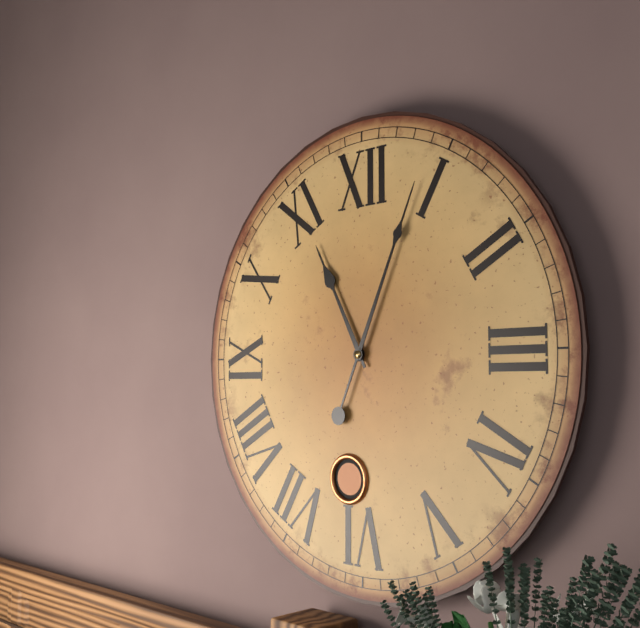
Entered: 11.04
